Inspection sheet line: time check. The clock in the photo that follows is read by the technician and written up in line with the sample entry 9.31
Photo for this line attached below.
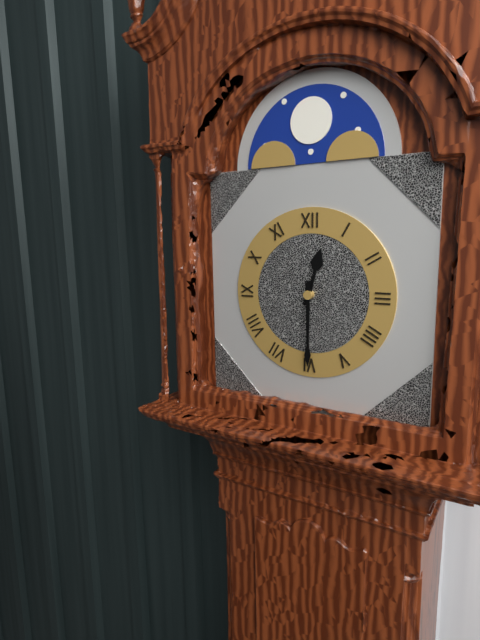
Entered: 12.30
